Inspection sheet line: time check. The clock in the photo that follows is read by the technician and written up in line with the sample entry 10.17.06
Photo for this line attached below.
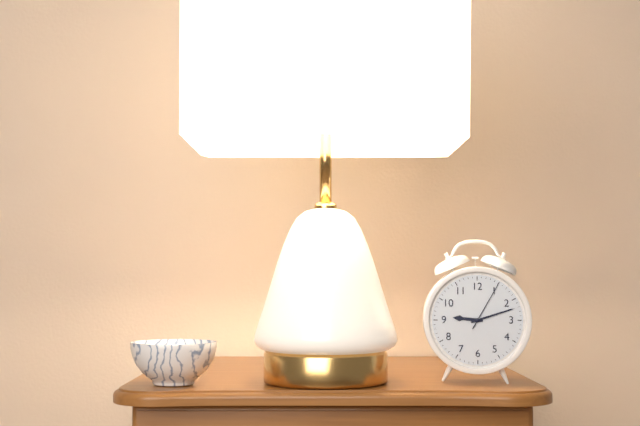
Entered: 9.12.05
